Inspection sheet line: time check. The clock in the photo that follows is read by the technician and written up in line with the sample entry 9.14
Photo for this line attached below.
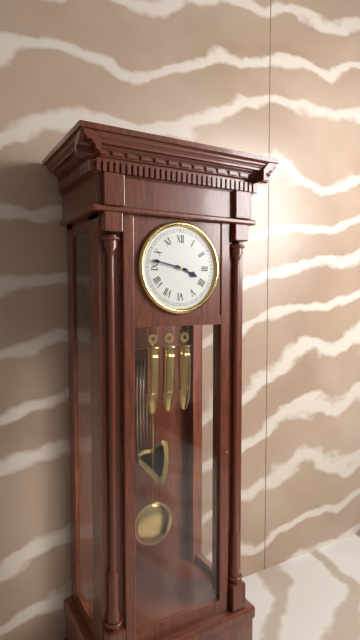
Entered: 3.47
